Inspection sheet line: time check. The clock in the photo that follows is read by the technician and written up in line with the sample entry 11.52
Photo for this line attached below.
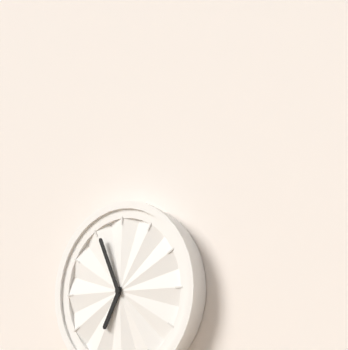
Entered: 6.56
